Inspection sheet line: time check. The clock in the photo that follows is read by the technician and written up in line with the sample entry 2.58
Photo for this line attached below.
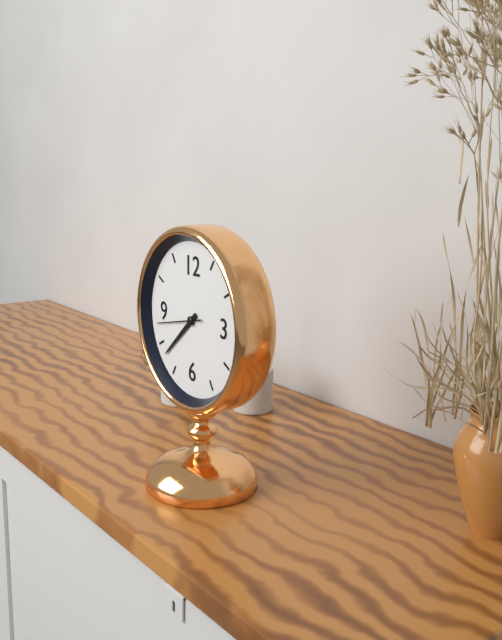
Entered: 7.38
